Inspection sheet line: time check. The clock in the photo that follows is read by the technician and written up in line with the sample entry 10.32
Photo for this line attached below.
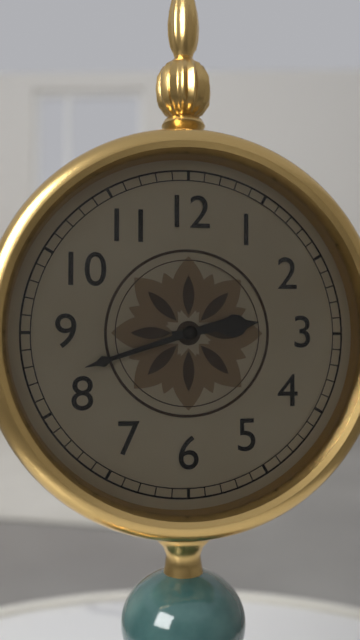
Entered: 2.42
